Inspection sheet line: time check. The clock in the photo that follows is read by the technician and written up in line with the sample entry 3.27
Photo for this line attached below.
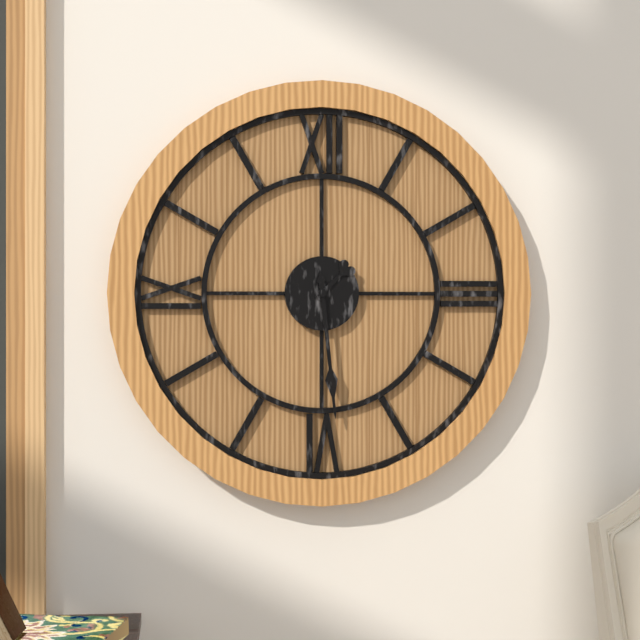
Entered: 1.29
